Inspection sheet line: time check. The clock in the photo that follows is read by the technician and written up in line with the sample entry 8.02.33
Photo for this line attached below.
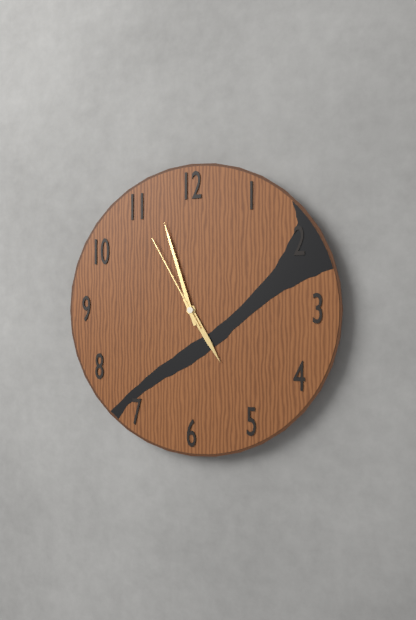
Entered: 4.57.55
